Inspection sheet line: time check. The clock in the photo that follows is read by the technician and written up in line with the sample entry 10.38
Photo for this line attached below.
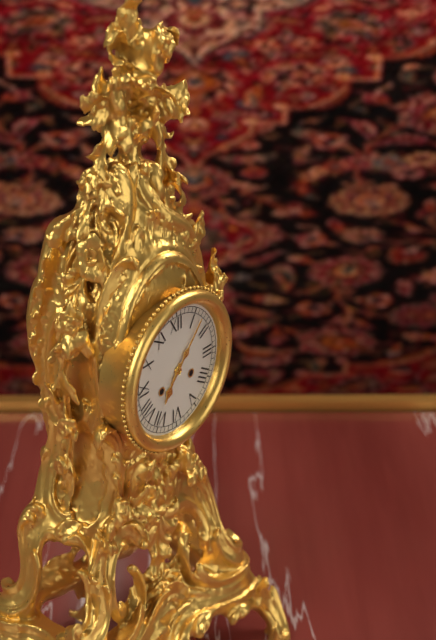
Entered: 7.07
